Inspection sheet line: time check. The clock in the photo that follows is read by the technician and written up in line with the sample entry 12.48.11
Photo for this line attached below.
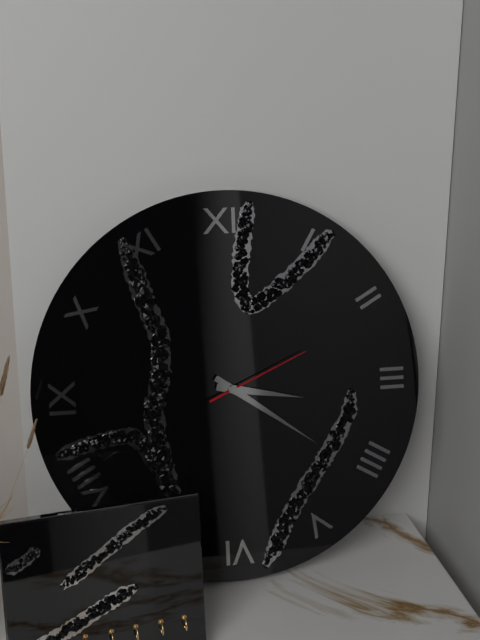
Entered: 3.21.11
